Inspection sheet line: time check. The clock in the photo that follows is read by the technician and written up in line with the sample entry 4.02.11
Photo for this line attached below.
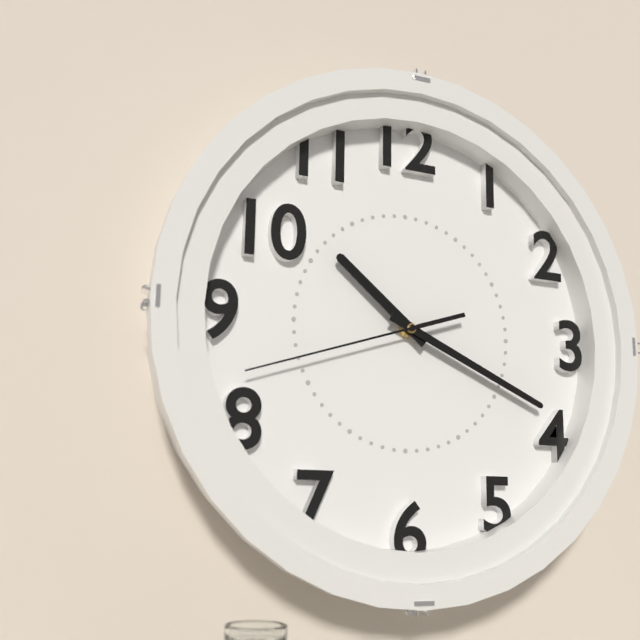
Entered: 10.19.42
